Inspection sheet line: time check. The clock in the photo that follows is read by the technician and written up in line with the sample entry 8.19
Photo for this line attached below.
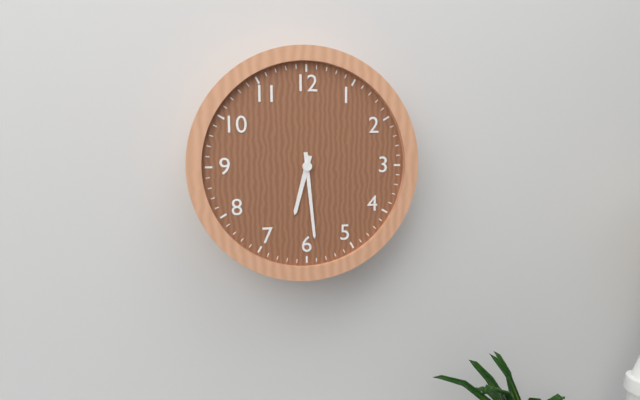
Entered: 6.29
